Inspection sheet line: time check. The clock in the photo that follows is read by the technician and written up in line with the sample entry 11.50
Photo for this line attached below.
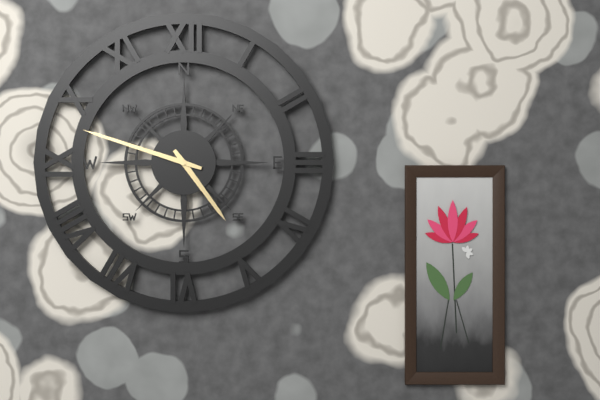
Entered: 4.48
